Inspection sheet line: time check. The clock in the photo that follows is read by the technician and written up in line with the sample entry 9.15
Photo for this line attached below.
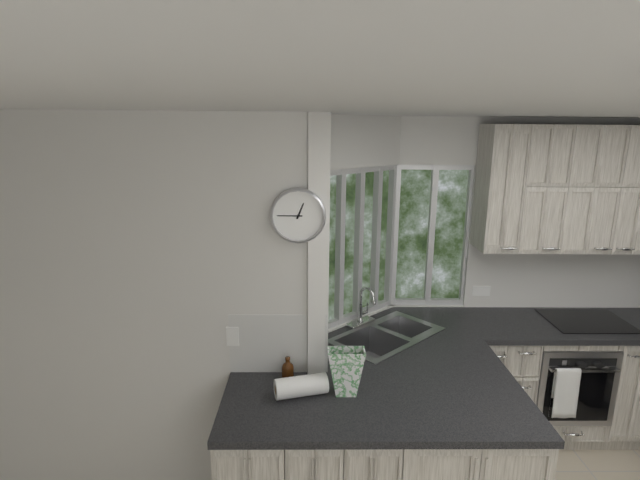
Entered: 12.45
